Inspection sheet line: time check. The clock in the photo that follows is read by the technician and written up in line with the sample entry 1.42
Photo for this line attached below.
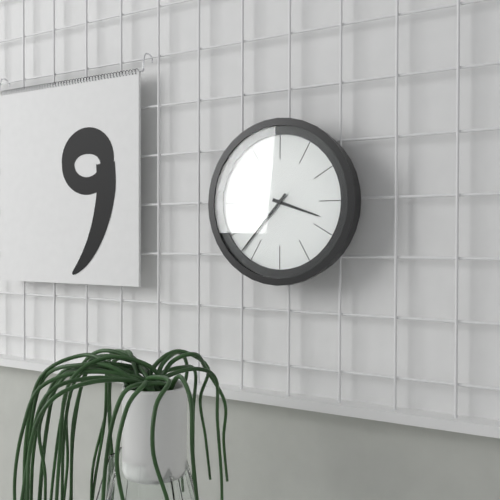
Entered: 3.37
